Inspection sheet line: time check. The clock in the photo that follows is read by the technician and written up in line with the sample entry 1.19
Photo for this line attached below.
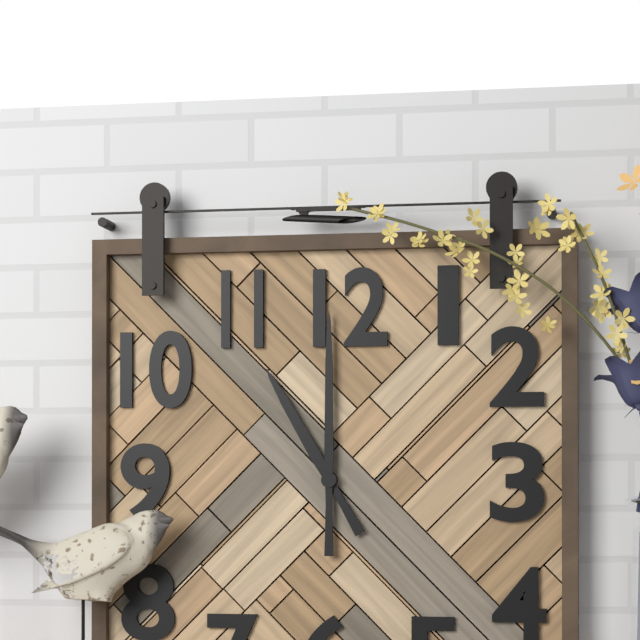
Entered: 11.00
